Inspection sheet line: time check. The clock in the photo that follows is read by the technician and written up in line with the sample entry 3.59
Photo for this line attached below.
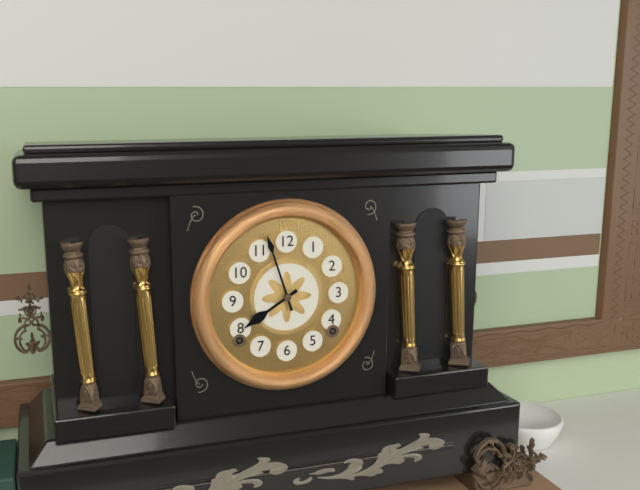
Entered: 7.57
